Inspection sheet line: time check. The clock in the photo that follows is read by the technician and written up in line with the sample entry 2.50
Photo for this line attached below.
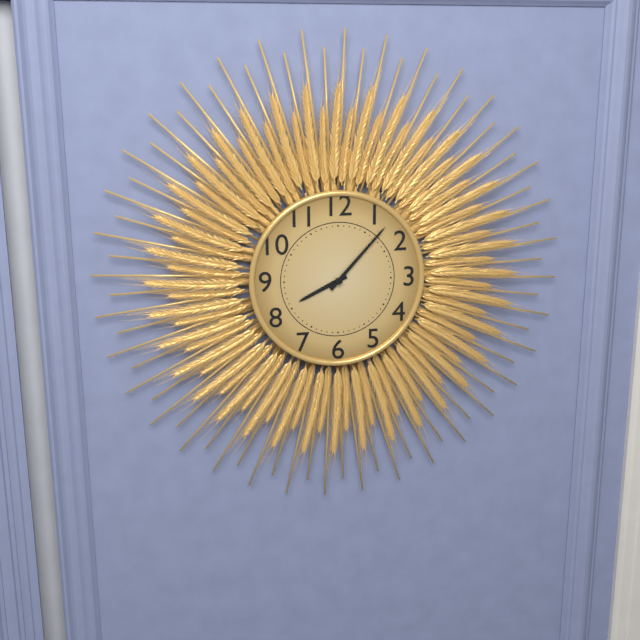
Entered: 8.07
